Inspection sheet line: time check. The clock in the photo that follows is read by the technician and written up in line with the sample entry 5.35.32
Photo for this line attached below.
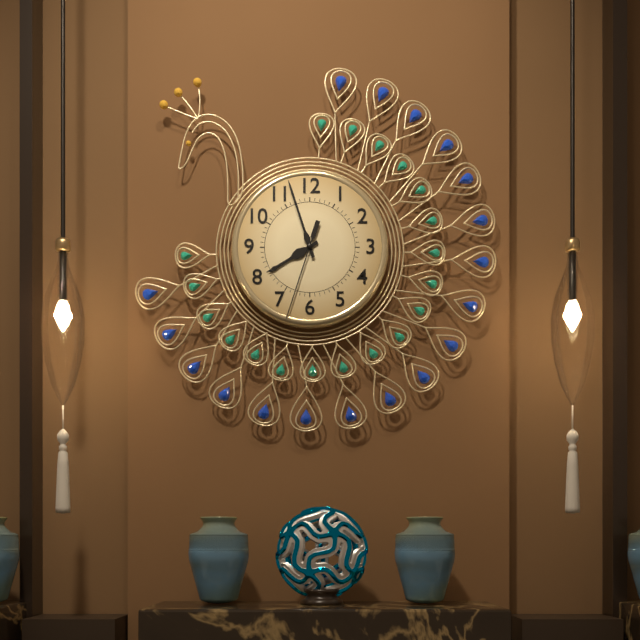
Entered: 7.57.33
